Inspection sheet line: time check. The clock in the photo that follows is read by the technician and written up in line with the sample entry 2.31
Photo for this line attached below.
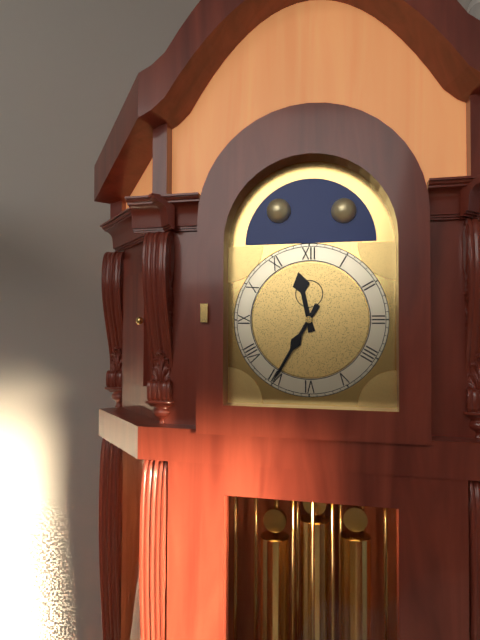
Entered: 11.35
